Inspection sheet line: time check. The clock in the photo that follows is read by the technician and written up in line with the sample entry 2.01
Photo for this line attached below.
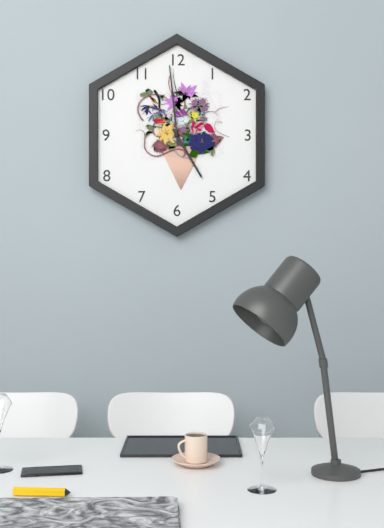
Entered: 4.59
